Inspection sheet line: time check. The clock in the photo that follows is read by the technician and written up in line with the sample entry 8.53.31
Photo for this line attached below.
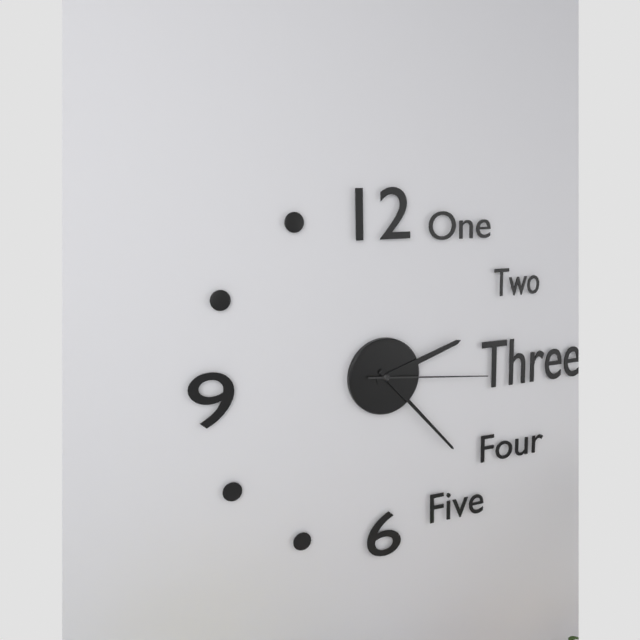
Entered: 2.23.16
